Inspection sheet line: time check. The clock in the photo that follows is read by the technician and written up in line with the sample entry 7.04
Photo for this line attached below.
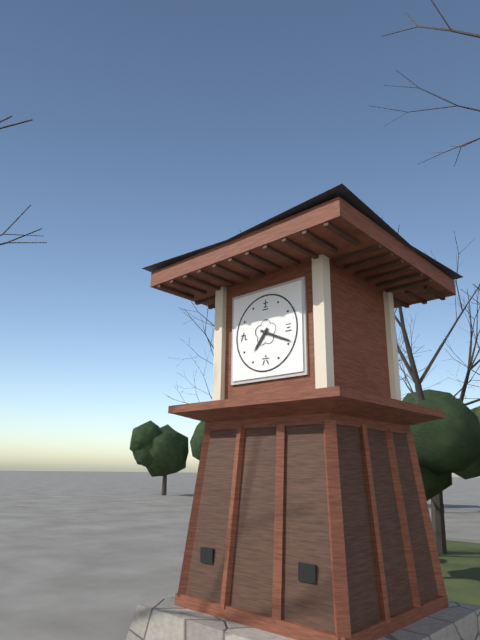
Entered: 7.19
